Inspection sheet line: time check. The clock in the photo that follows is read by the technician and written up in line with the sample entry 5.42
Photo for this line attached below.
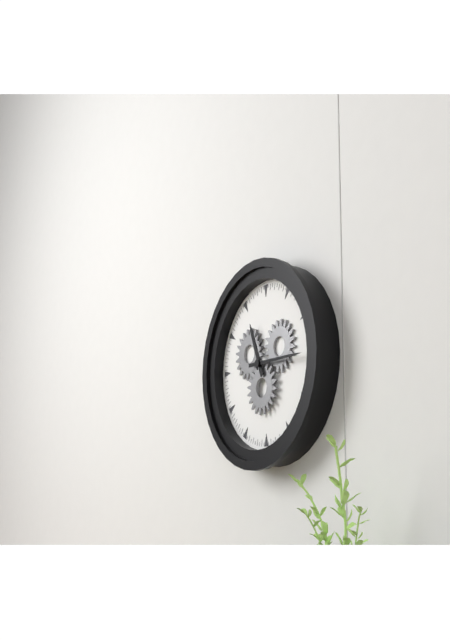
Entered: 11.15
